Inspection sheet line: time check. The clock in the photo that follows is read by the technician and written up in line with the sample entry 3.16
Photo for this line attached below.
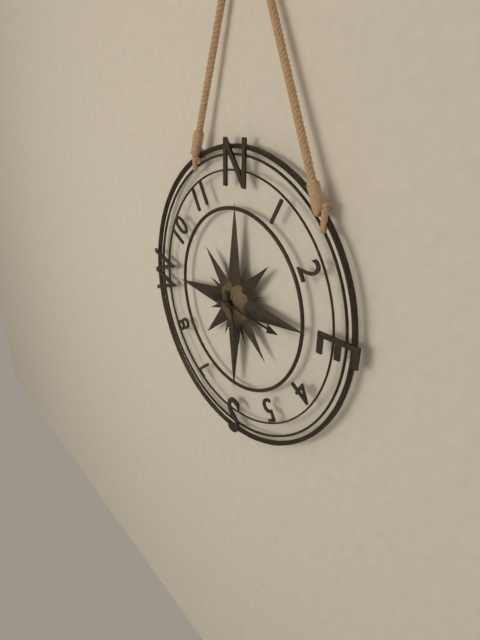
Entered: 5.16
